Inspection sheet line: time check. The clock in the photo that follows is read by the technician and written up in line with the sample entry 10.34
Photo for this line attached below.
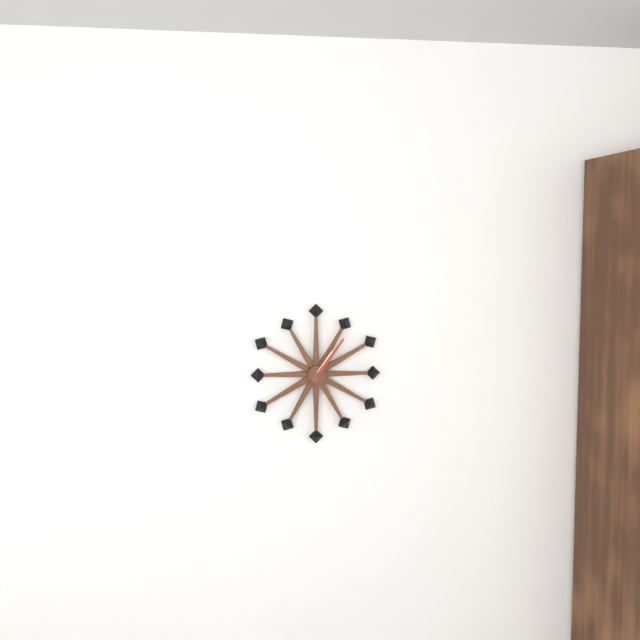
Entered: 1.06
